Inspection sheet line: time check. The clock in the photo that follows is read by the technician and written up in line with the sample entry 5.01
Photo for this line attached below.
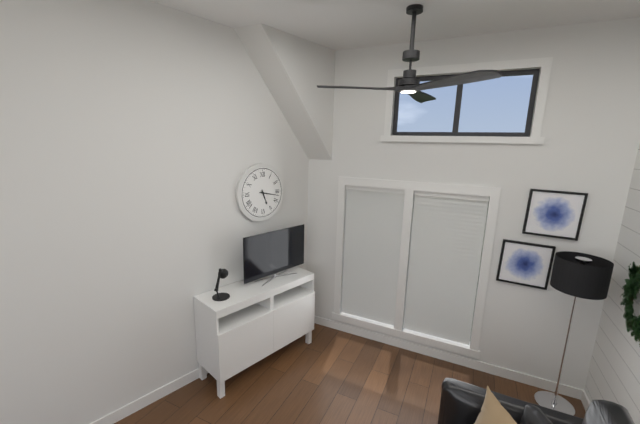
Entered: 5.17
